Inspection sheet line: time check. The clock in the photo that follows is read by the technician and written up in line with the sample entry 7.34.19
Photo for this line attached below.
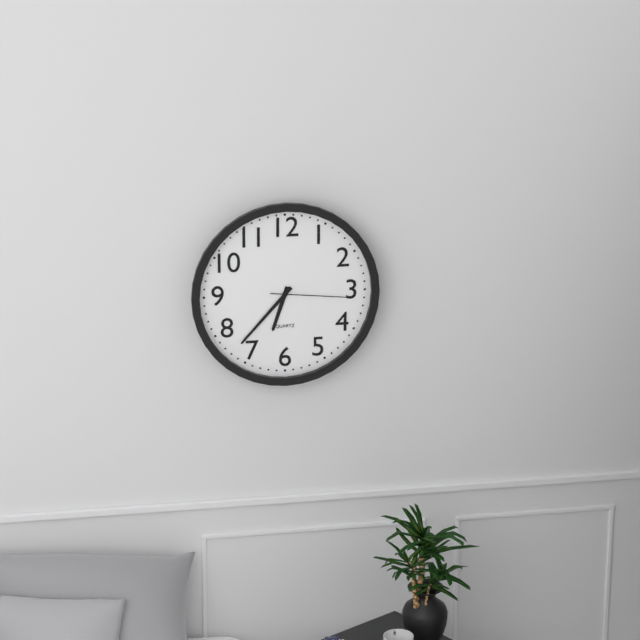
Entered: 6.37.16
